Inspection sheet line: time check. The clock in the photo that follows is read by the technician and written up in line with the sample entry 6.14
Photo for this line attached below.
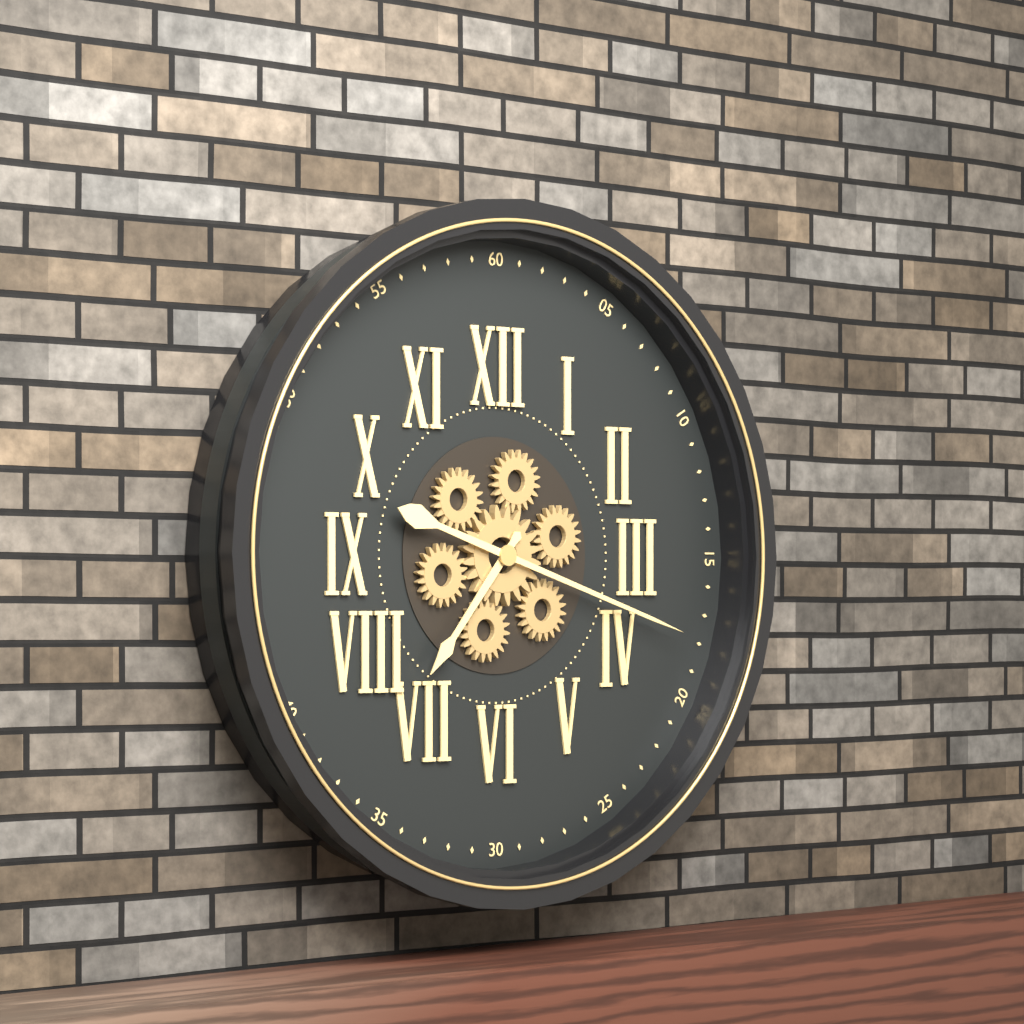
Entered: 7.18
